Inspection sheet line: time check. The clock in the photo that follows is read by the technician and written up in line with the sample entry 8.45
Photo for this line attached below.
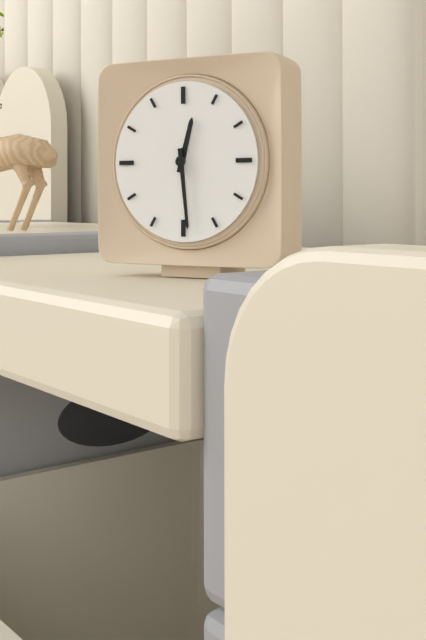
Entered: 12.29
